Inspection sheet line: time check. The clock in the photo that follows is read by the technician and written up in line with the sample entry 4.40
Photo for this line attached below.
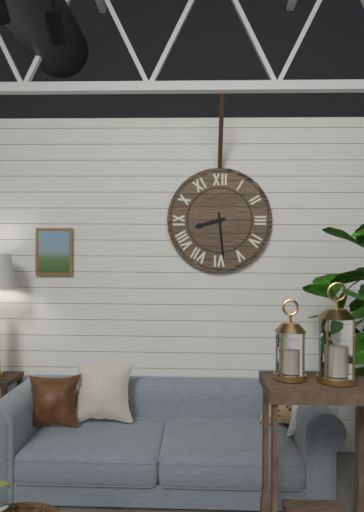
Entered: 8.29
